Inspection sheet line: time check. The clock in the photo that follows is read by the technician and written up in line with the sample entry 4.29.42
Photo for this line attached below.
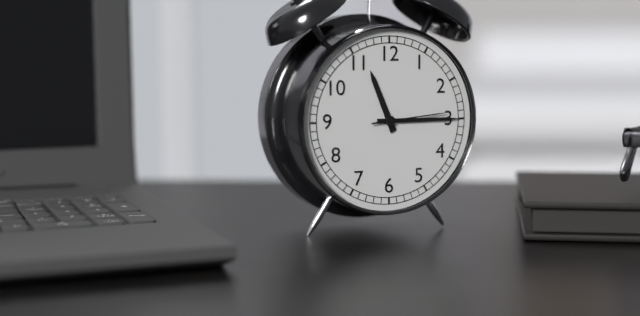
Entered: 11.15.14
